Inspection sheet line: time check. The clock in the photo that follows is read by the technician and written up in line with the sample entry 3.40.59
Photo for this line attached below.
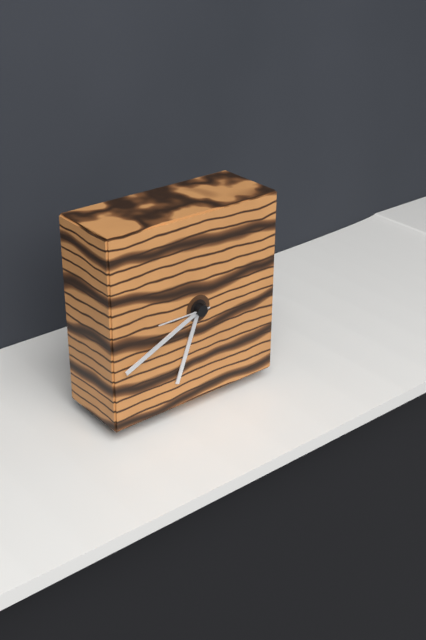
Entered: 6.41.45
